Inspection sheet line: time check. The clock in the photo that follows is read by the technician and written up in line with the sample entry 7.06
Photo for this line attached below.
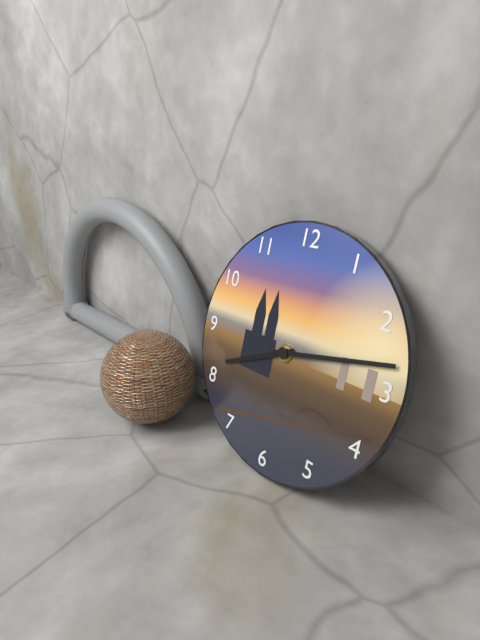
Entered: 8.13
